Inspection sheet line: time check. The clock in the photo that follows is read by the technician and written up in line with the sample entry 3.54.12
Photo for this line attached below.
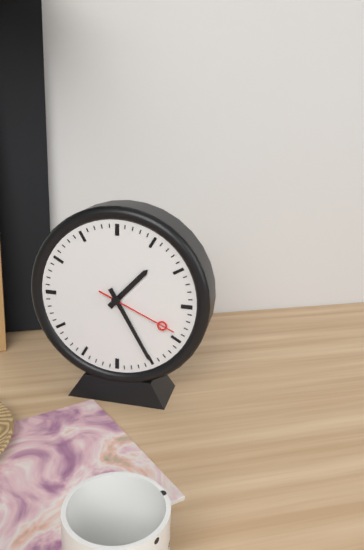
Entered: 1.25.19
